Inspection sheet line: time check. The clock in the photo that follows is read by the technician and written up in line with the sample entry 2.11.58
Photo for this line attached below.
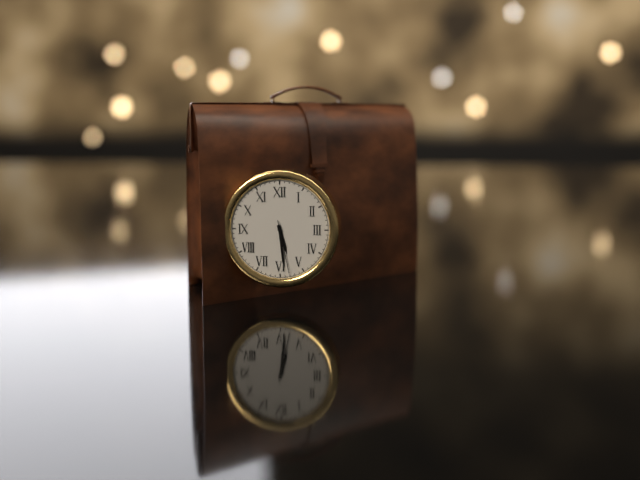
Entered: 5.29.28
